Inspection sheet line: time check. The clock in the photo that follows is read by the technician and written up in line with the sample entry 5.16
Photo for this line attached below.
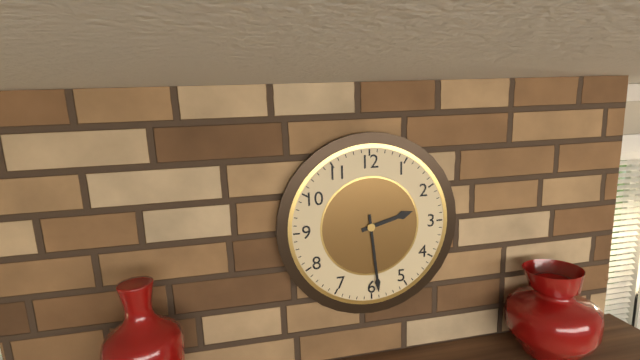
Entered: 2.29
